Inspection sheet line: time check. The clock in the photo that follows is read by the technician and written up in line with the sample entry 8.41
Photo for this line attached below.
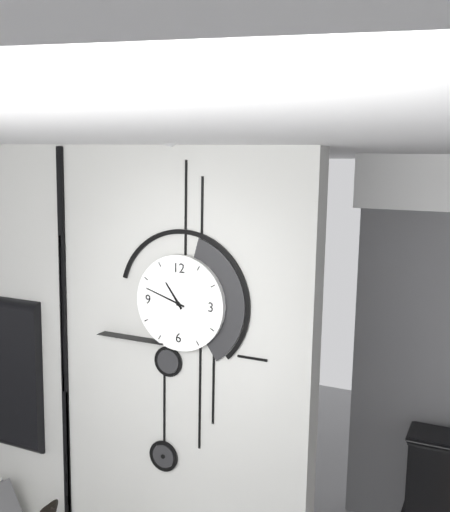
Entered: 10.48
